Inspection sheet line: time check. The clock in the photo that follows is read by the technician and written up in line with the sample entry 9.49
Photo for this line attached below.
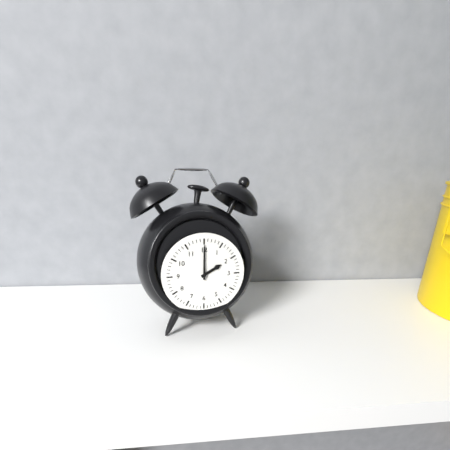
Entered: 2.00
